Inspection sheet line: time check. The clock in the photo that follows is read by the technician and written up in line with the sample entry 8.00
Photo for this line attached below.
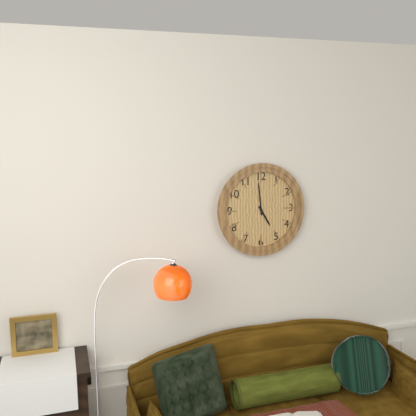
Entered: 4.59
